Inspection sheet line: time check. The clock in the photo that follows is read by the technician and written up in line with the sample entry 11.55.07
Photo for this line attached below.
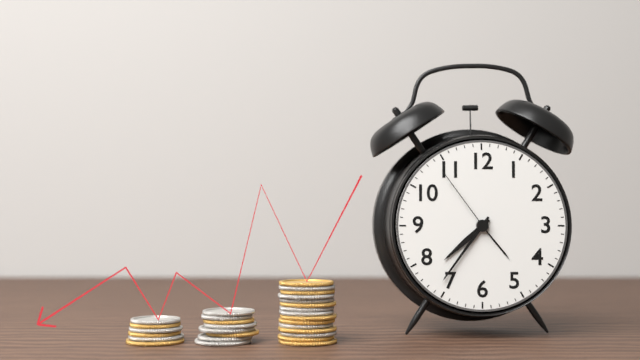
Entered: 7.36.54
